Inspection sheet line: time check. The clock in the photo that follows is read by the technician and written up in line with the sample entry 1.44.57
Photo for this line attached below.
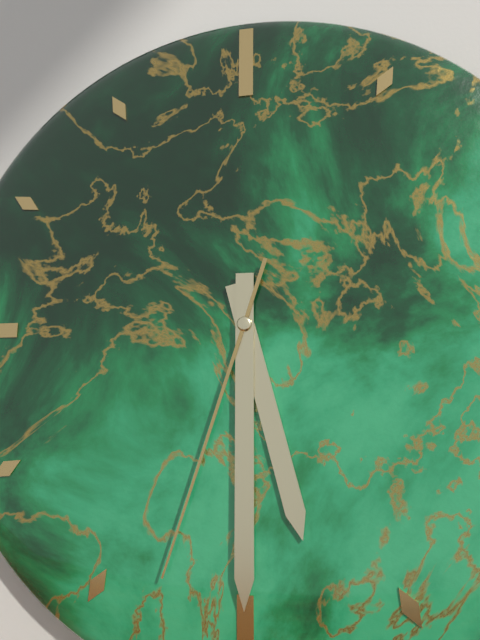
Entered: 5.30.33
